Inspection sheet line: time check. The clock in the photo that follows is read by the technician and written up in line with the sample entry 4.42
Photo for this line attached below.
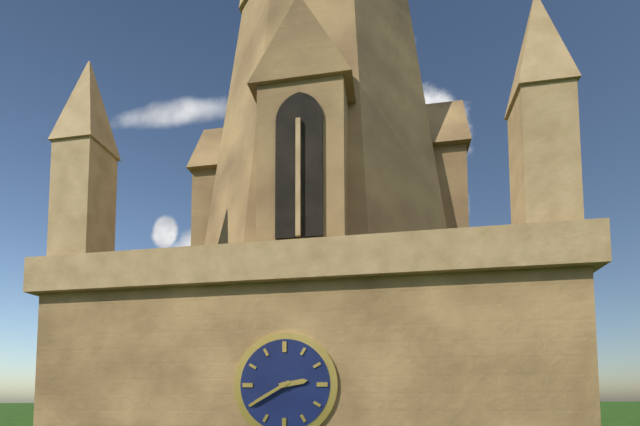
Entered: 2.40
